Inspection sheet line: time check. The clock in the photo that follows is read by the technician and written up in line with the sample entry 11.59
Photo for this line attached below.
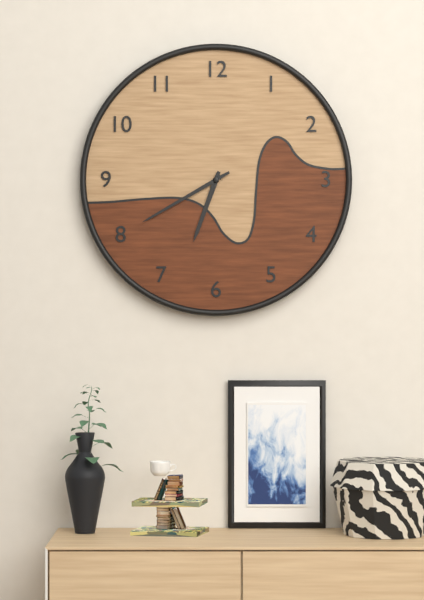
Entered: 6.40
